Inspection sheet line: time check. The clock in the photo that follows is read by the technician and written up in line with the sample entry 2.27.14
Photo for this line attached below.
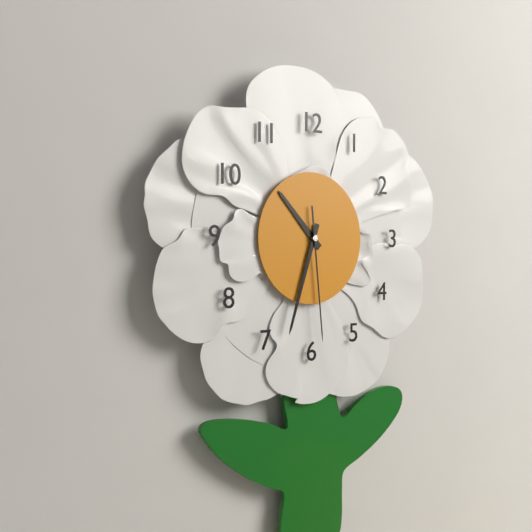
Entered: 10.33.29
